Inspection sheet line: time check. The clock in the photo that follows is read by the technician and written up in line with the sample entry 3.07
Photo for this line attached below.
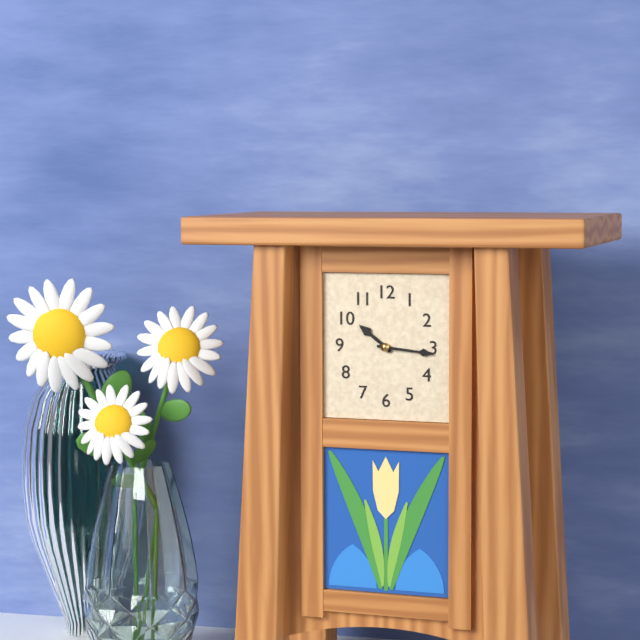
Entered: 10.16
